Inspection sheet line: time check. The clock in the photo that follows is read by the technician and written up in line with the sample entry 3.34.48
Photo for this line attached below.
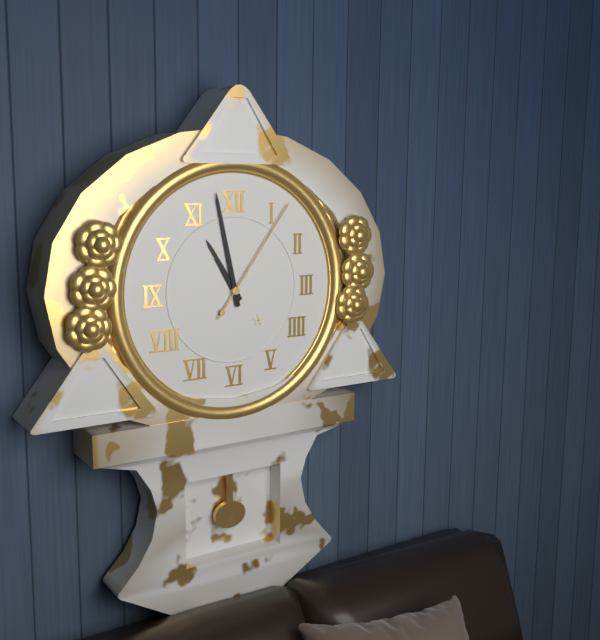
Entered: 10.58.06
